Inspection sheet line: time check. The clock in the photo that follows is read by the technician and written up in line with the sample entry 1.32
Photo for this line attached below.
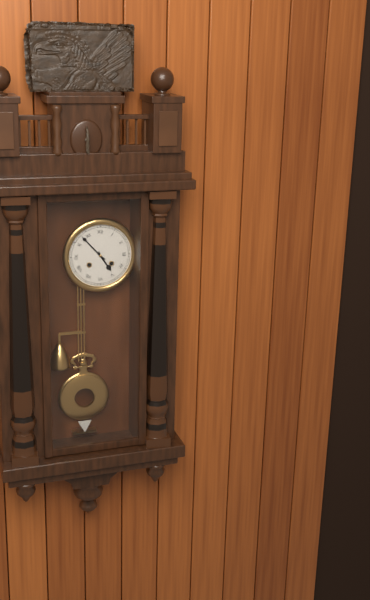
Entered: 4.53
